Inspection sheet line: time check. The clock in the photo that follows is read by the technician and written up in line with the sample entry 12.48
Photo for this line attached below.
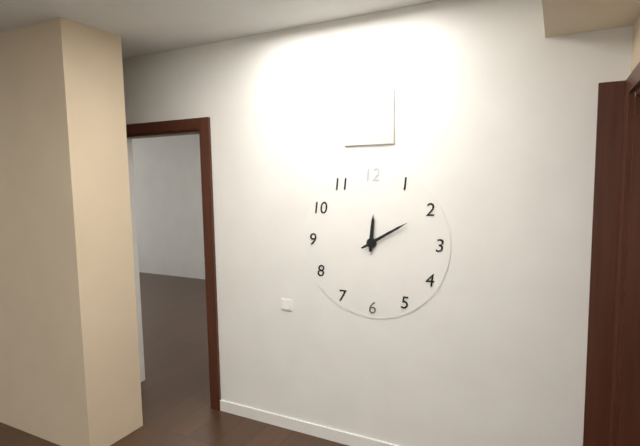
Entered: 12.10
